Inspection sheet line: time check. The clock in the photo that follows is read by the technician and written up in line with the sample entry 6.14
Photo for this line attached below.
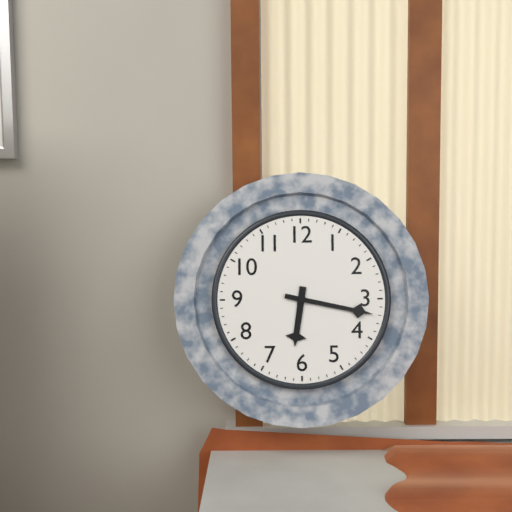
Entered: 6.17
